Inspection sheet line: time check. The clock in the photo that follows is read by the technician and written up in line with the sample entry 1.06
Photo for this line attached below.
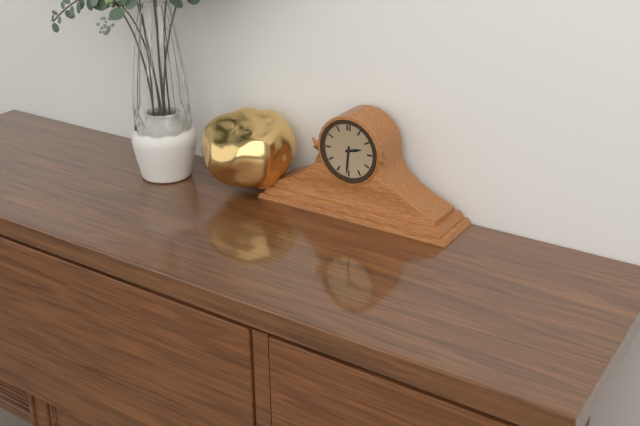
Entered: 2.31
